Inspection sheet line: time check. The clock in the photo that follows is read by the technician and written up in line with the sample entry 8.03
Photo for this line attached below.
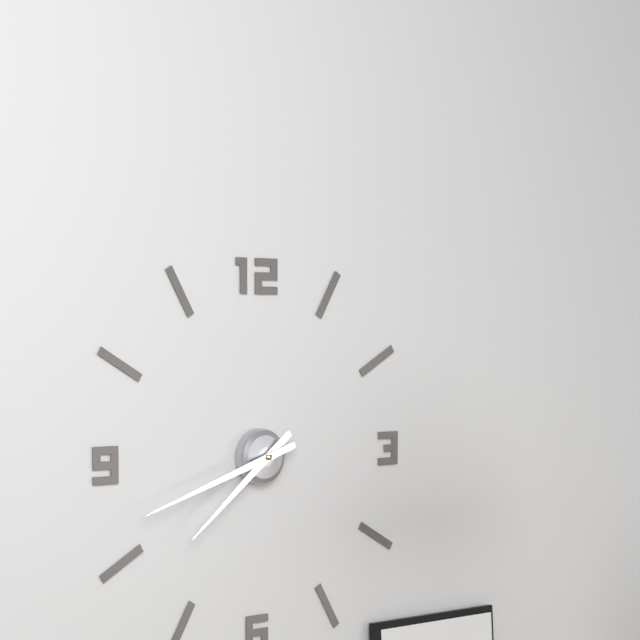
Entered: 7.42
